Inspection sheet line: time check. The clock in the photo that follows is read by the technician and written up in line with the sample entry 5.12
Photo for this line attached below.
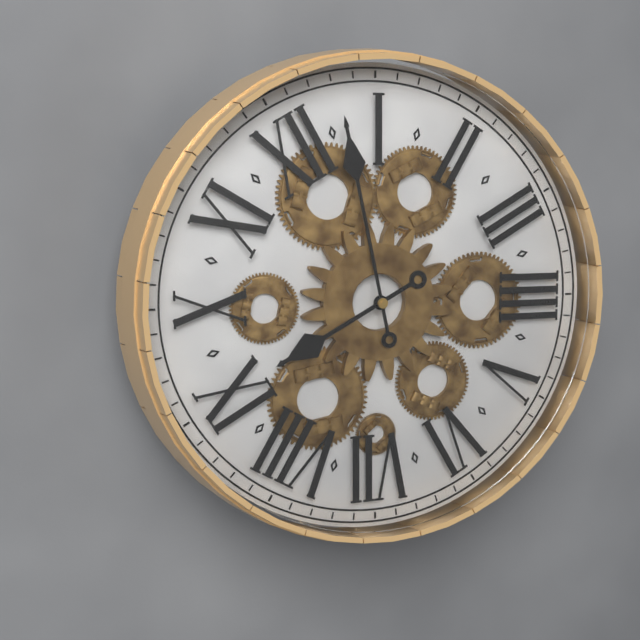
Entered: 9.03
